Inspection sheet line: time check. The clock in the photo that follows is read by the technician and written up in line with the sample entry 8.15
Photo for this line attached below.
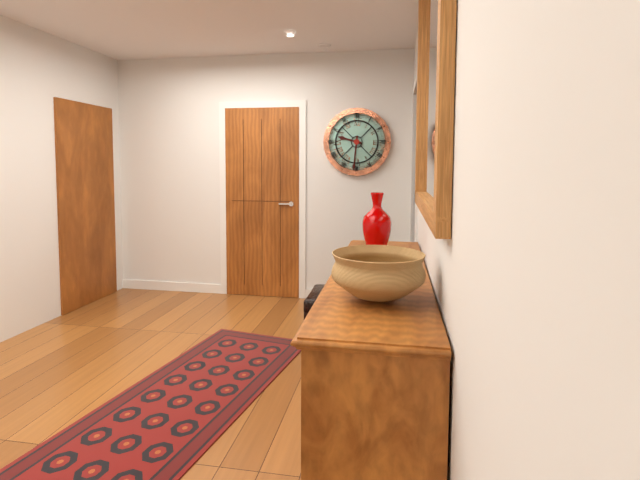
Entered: 9.31
